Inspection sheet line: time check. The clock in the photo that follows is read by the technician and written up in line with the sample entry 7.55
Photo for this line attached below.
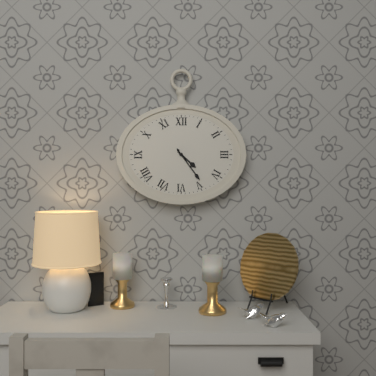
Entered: 4.24
